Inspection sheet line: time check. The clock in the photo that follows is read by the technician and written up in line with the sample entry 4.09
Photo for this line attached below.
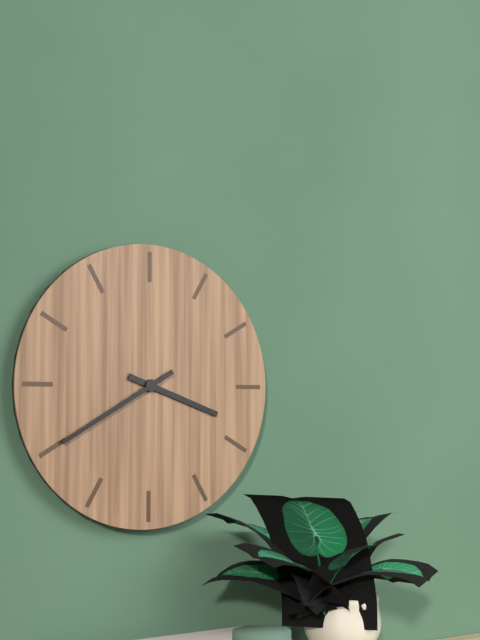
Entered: 3.40
